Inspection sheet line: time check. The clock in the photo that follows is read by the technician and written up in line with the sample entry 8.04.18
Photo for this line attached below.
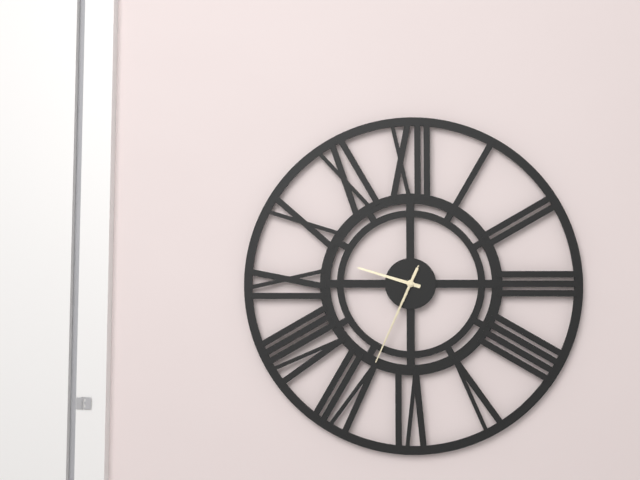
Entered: 9.34.34
